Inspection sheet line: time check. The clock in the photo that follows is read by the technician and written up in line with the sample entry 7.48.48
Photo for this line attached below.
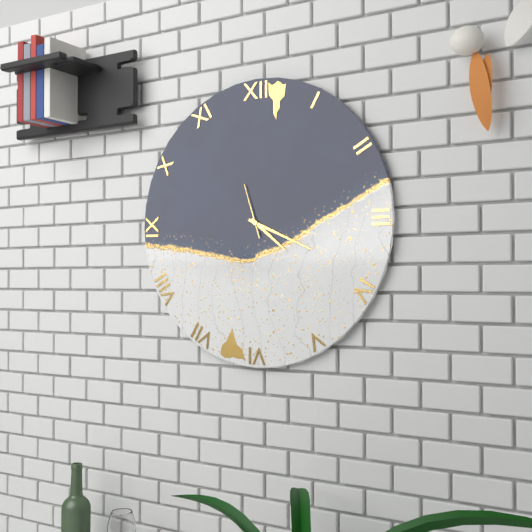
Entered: 4.19.57
